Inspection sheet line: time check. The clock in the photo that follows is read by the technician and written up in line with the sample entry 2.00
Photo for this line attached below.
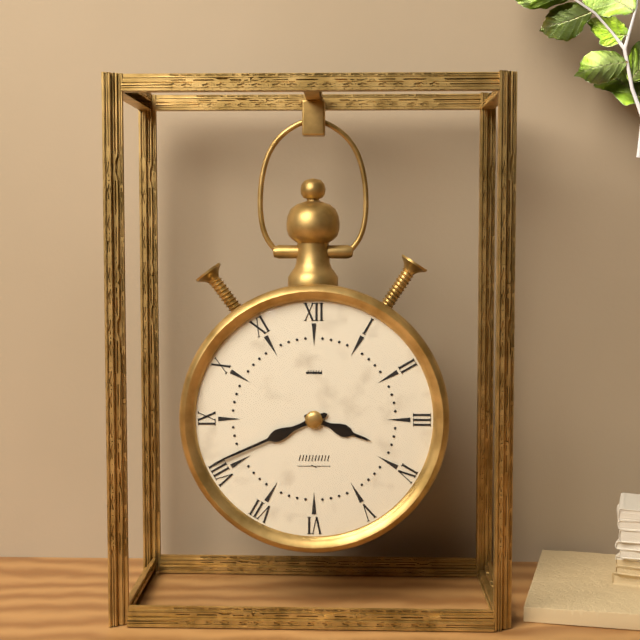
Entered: 3.41
